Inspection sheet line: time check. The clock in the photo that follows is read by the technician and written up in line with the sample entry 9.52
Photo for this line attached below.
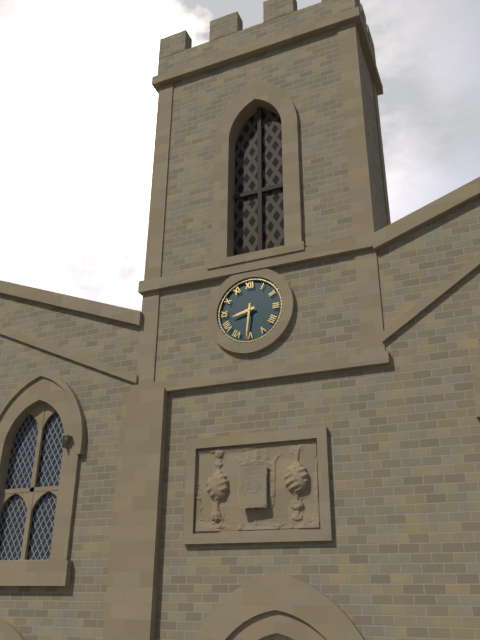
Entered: 8.31
